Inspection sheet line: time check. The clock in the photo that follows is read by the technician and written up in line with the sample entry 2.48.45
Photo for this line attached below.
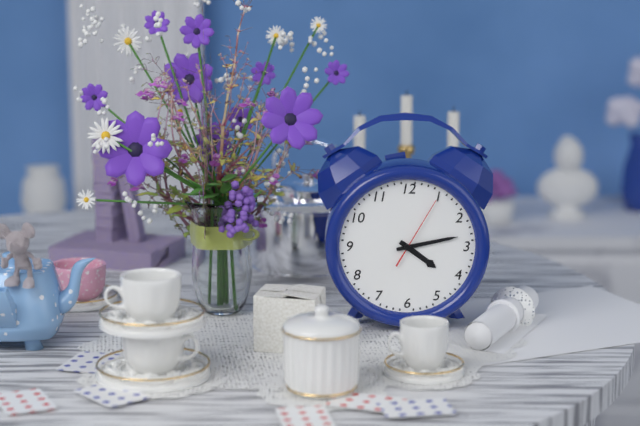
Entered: 4.13.05
